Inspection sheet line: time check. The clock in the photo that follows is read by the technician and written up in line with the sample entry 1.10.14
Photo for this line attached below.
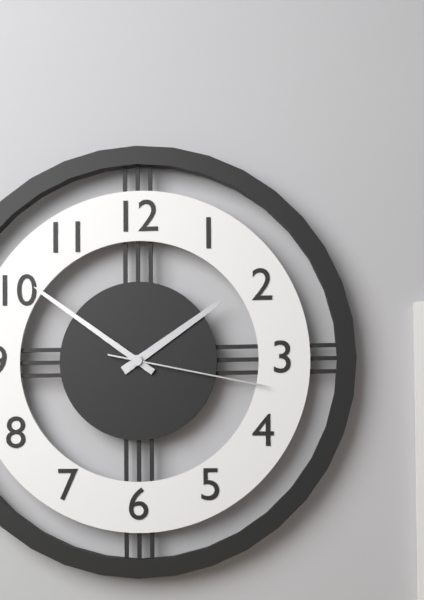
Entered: 1.51.17
